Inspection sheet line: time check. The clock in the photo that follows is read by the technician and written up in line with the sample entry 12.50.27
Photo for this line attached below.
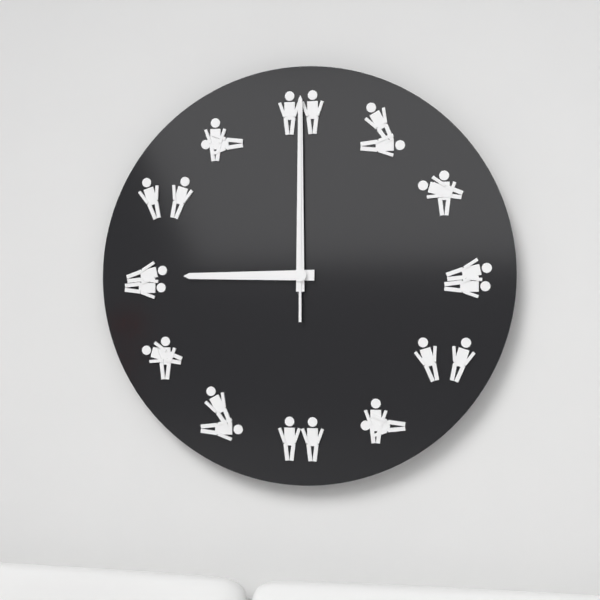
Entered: 9.00.00
